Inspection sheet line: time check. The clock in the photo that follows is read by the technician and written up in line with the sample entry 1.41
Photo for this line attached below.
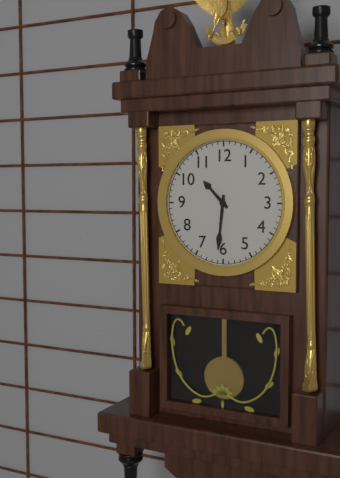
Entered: 10.31
